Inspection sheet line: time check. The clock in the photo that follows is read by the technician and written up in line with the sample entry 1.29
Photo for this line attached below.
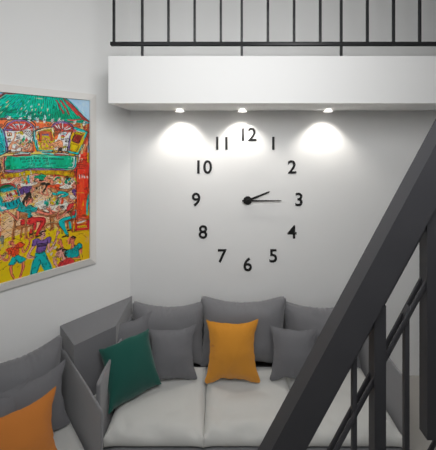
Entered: 2.15
